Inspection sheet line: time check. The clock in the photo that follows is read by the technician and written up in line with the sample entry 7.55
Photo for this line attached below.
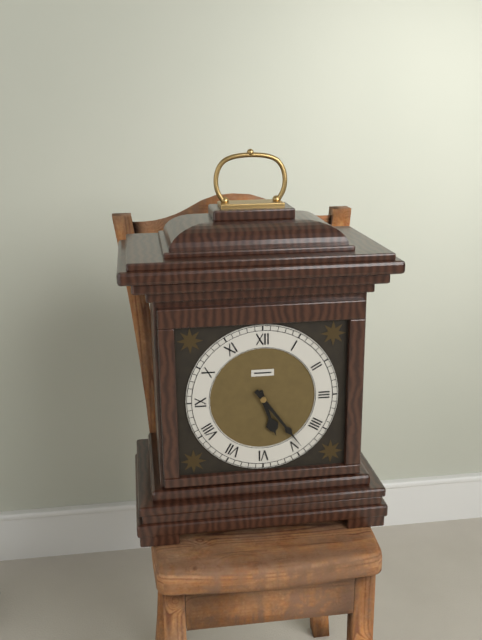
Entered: 5.24
